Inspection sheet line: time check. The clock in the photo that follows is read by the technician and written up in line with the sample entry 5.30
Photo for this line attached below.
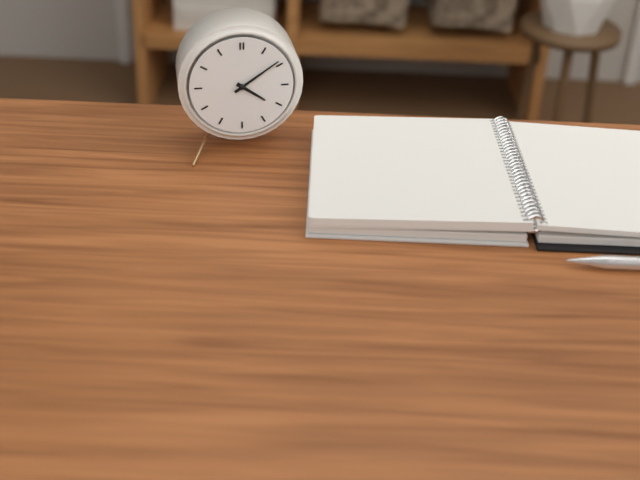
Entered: 4.09
